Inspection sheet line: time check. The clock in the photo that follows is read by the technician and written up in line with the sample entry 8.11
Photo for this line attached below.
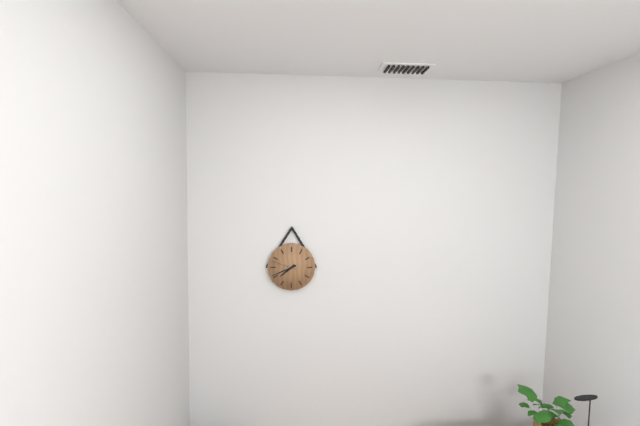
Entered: 7.41
